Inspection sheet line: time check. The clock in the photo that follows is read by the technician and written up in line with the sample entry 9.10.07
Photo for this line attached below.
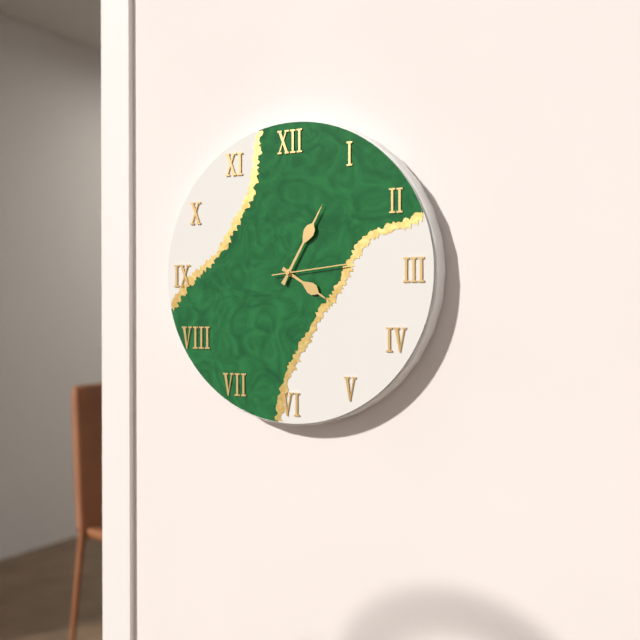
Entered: 4.05.14
